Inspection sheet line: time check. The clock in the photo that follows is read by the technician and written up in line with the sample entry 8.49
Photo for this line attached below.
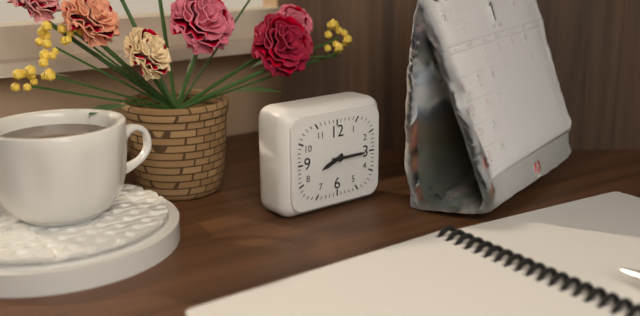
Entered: 8.15
